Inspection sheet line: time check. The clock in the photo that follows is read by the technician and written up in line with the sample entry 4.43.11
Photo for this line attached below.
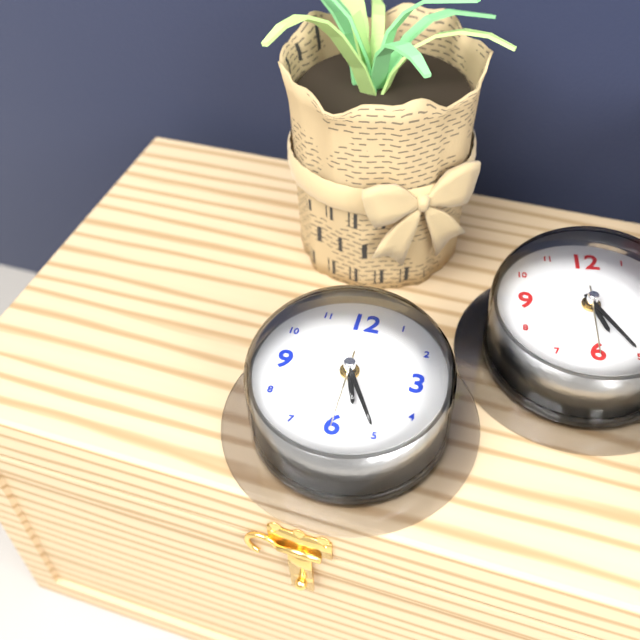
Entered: 5.25.30
